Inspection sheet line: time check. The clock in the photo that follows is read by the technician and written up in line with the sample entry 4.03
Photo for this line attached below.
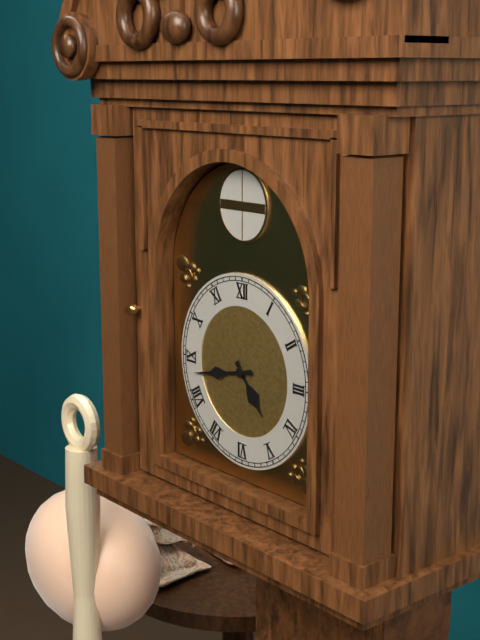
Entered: 4.43
